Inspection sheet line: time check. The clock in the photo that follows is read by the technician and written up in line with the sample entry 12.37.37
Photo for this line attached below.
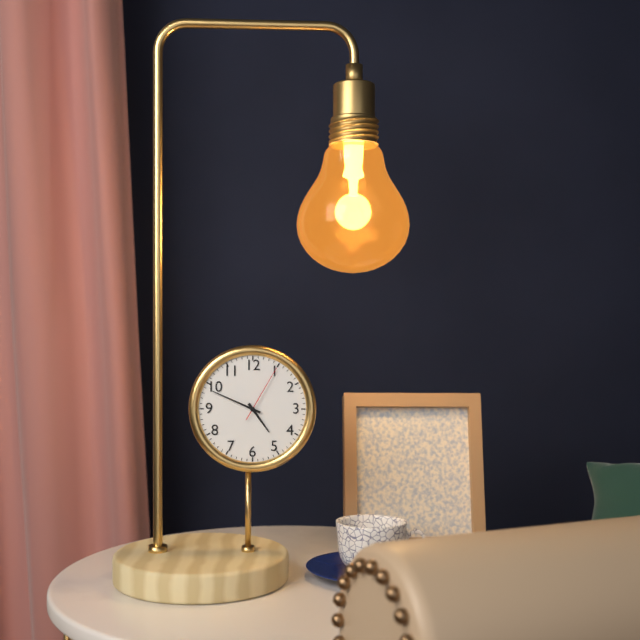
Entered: 4.49.05
